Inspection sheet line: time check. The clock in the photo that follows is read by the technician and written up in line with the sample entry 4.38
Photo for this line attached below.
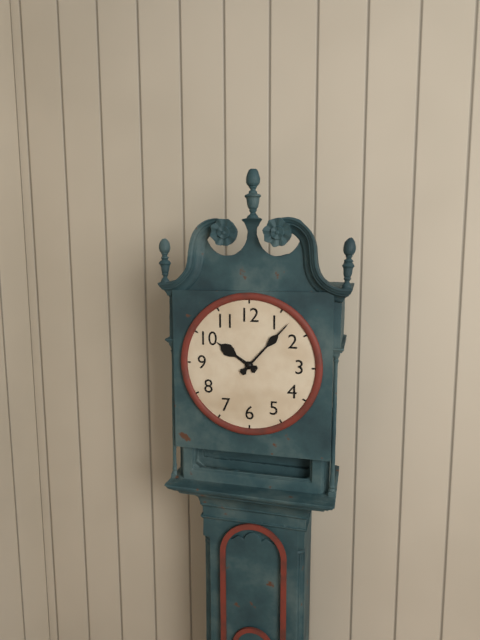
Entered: 10.07
